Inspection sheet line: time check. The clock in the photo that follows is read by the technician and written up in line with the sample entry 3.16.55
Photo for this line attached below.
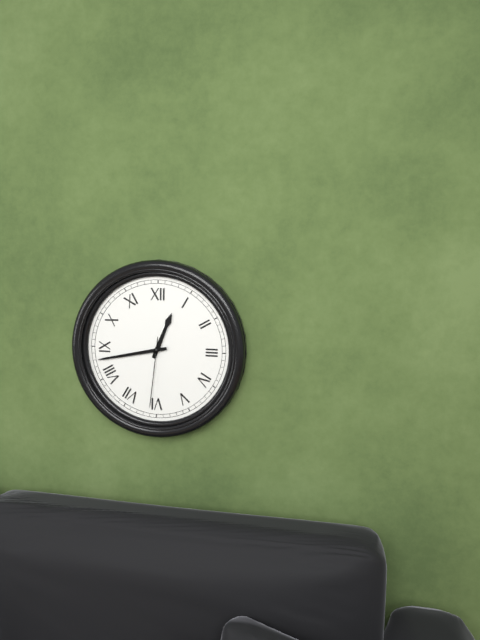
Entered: 12.43.31
